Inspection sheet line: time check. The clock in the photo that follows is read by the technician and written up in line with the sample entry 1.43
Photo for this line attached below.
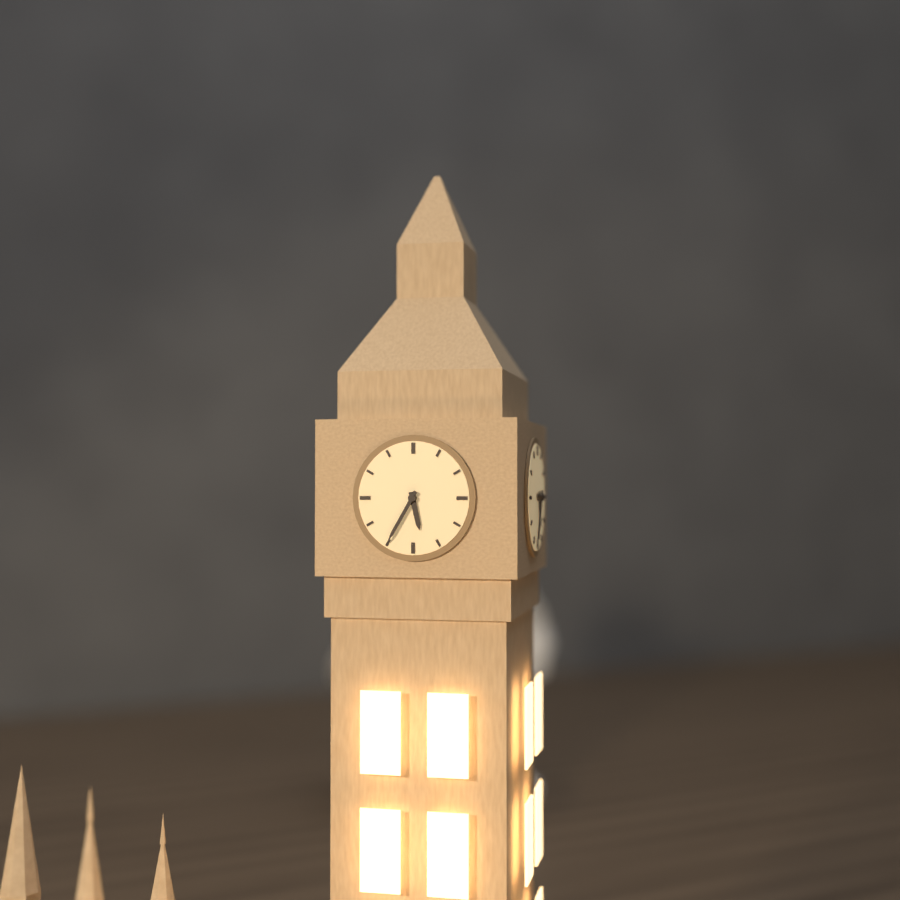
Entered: 5.35
